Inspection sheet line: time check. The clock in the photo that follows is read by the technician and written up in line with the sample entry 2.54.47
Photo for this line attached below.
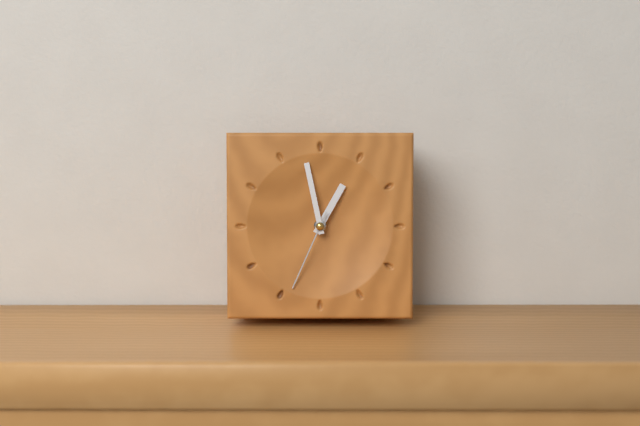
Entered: 12.58.34
